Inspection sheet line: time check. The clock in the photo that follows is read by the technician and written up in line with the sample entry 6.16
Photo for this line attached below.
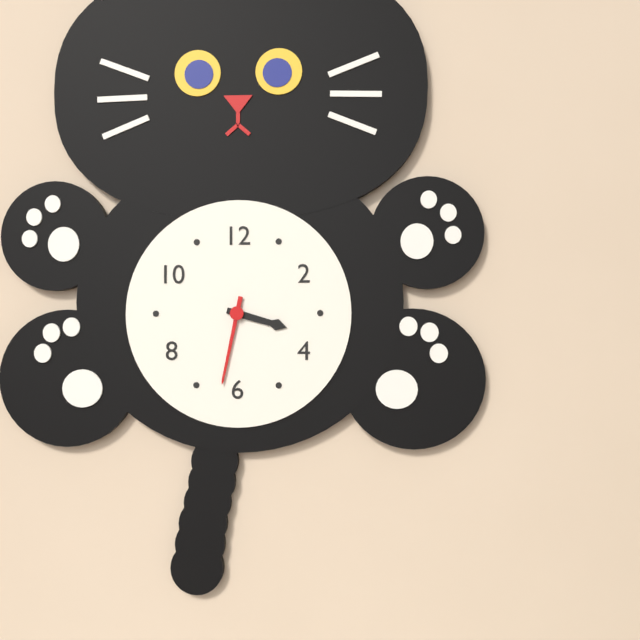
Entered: 3.32
